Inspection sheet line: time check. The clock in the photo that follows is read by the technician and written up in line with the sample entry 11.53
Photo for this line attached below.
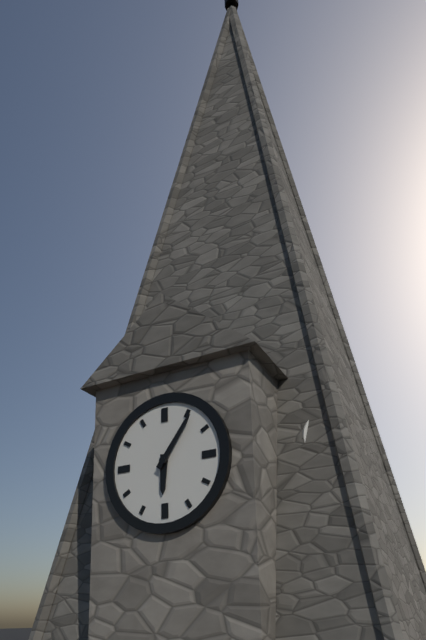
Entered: 6.06
